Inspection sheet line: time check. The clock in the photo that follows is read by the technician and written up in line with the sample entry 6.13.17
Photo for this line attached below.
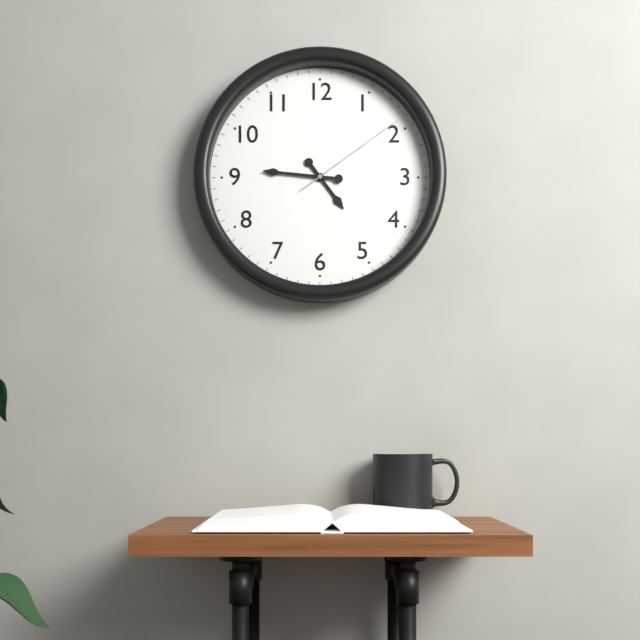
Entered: 4.46.09
